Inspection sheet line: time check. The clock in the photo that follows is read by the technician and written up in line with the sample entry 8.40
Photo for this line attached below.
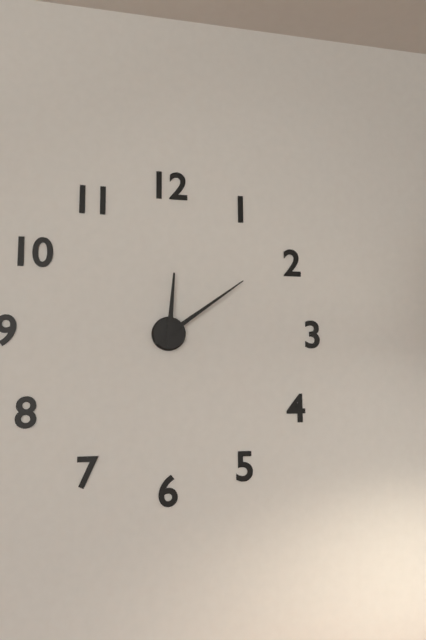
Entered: 12.09
